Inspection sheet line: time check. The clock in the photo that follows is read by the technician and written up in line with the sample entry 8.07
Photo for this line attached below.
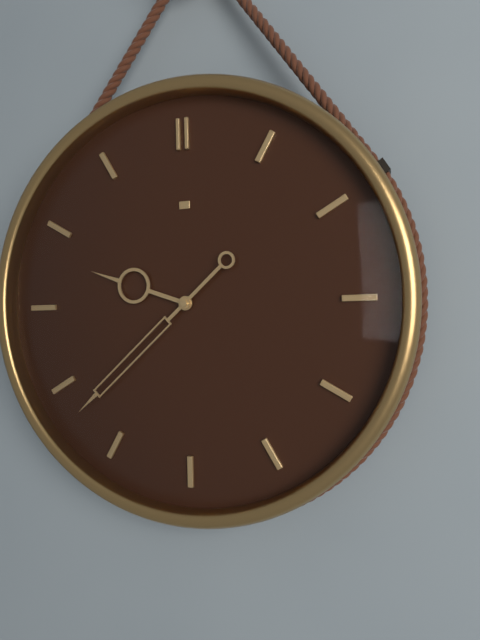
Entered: 9.38
